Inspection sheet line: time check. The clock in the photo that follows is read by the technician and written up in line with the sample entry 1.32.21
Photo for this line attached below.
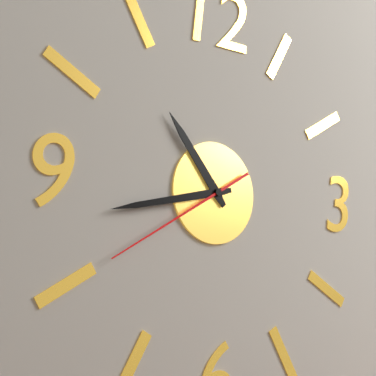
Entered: 10.43.40
